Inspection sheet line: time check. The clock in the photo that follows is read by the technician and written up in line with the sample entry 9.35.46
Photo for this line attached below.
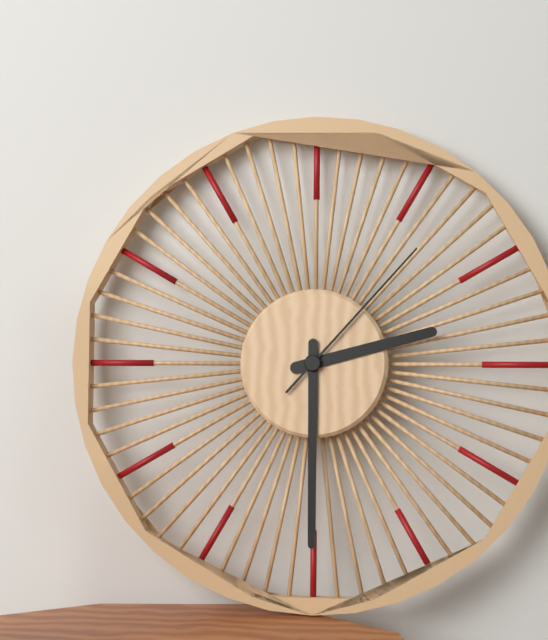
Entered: 2.30.07
